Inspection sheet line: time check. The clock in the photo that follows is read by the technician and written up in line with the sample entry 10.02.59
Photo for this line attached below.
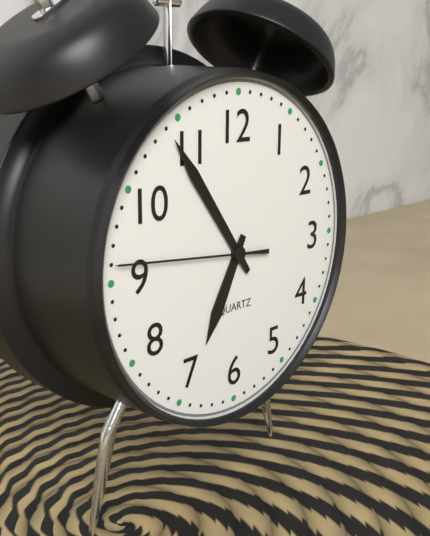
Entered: 6.54.46
